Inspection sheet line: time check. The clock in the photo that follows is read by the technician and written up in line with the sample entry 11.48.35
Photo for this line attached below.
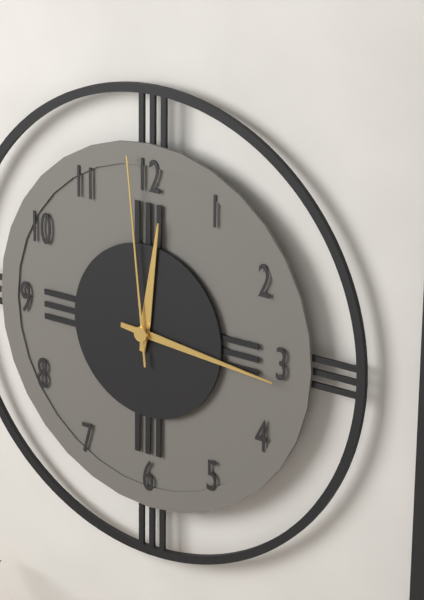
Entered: 12.16.59
